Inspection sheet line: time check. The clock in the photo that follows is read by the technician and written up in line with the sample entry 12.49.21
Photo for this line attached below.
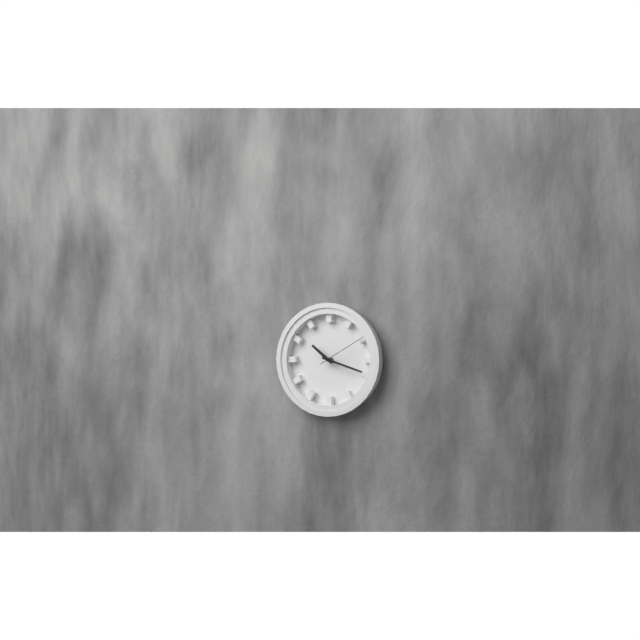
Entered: 10.18.10
